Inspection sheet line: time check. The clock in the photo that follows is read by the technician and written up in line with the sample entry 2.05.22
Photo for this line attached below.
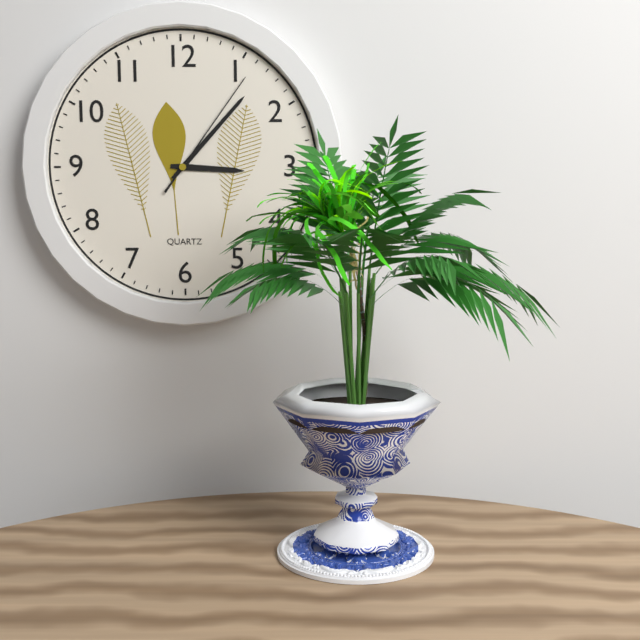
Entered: 3.07.06
